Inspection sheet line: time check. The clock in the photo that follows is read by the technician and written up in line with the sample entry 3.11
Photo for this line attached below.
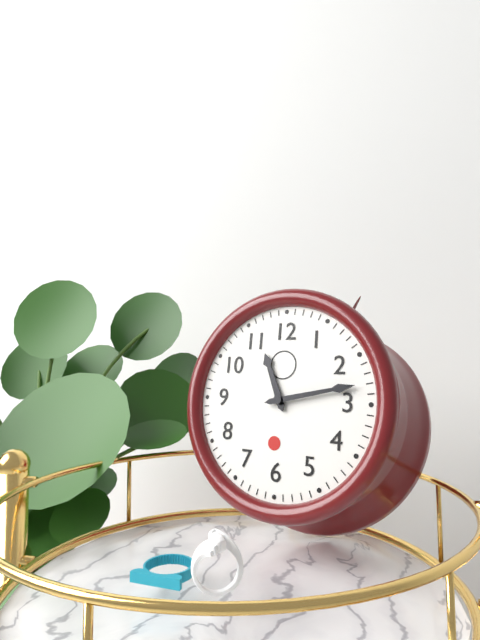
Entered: 11.13
